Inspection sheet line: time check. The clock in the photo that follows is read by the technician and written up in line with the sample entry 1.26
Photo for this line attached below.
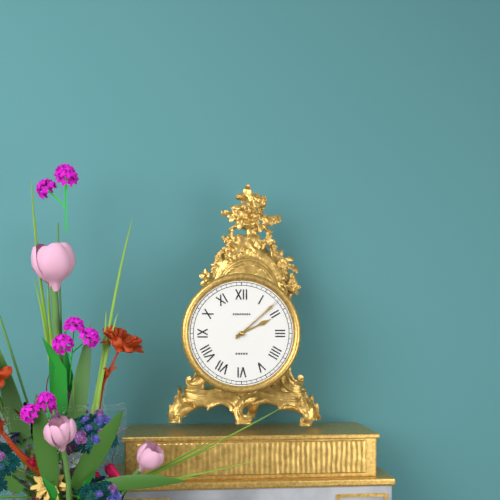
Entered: 2.08
